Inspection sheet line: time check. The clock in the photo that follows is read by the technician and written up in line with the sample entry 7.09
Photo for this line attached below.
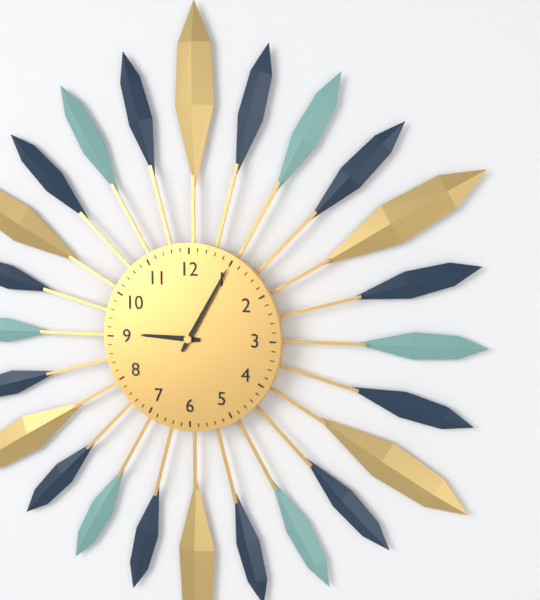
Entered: 9.05
